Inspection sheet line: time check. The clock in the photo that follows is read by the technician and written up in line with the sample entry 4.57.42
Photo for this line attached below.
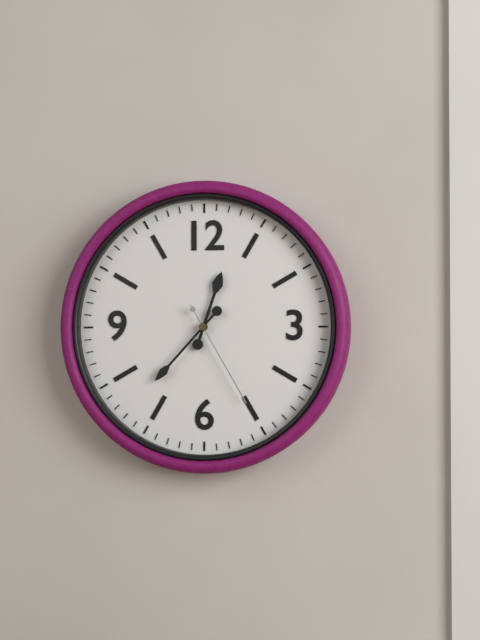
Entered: 12.37.25
